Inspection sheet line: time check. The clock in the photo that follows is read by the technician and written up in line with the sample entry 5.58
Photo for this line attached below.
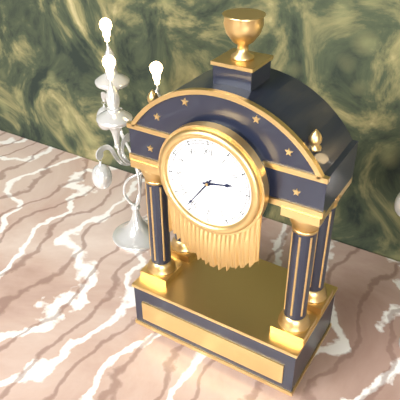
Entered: 2.36
